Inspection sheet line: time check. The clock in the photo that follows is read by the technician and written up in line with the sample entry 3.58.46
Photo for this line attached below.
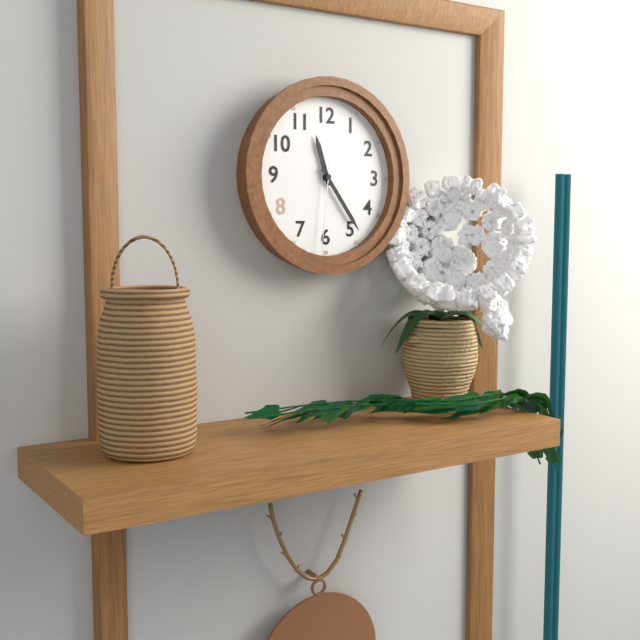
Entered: 11.24.31
